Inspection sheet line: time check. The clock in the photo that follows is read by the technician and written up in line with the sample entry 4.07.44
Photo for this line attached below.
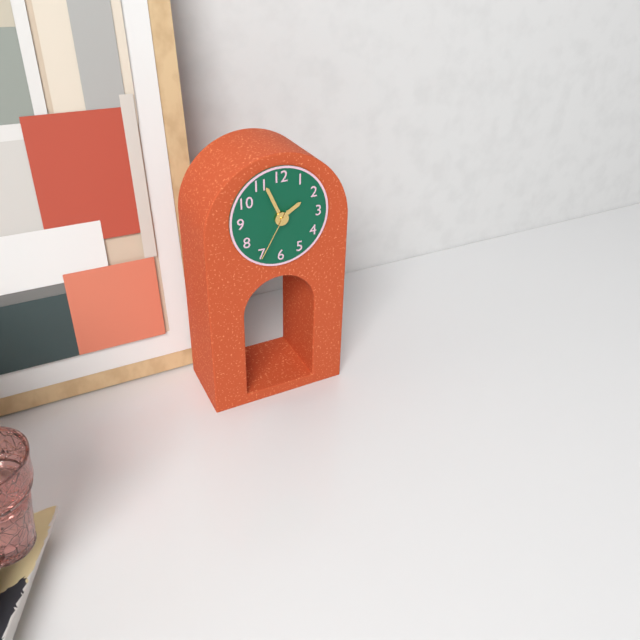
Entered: 1.56.35
